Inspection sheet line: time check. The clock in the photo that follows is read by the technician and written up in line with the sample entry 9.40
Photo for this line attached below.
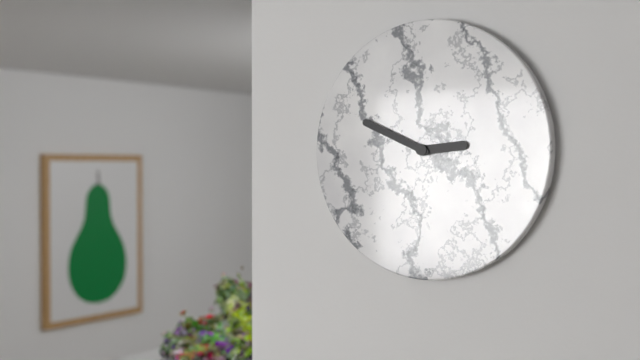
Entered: 2.49
